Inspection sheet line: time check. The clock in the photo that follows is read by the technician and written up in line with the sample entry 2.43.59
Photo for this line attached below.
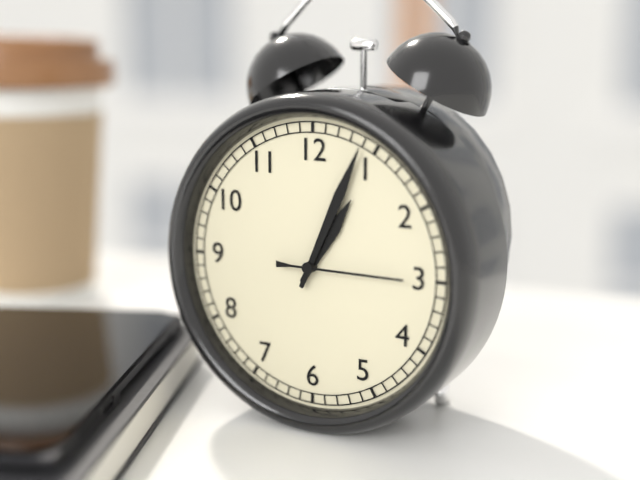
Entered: 1.04.15
